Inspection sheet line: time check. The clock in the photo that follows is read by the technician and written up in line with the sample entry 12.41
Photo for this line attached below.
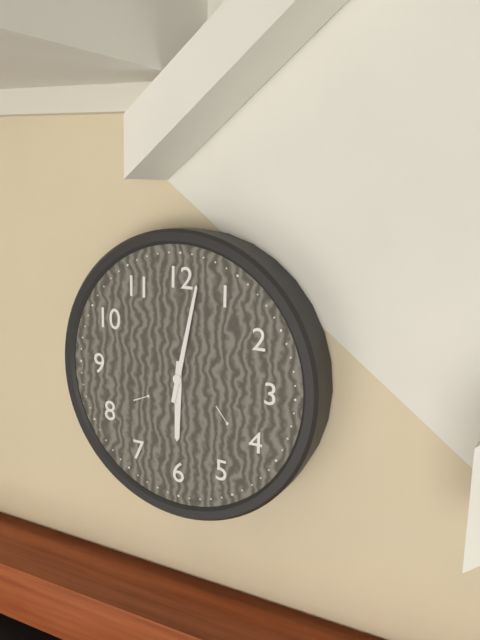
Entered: 6.02
